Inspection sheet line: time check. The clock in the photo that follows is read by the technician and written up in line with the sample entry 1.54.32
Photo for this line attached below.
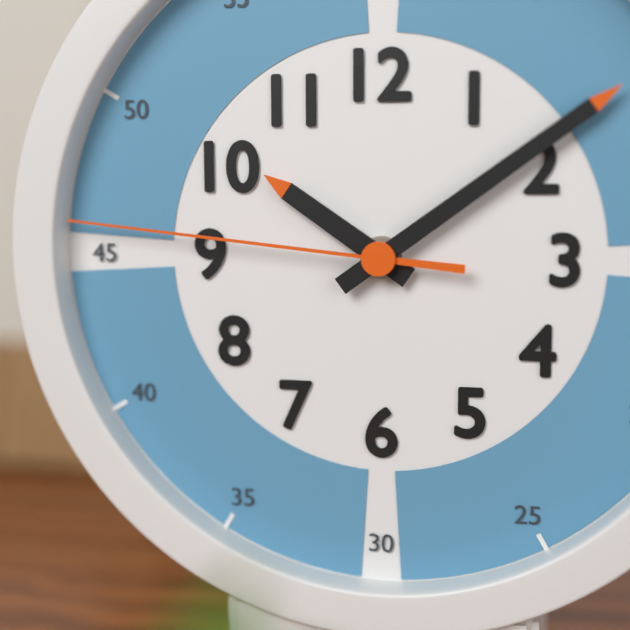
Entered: 10.09.46
